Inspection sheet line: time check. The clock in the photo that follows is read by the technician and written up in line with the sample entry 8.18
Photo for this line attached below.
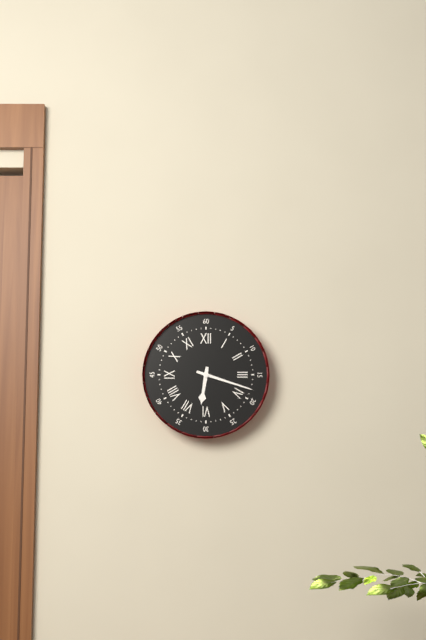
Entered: 6.18
